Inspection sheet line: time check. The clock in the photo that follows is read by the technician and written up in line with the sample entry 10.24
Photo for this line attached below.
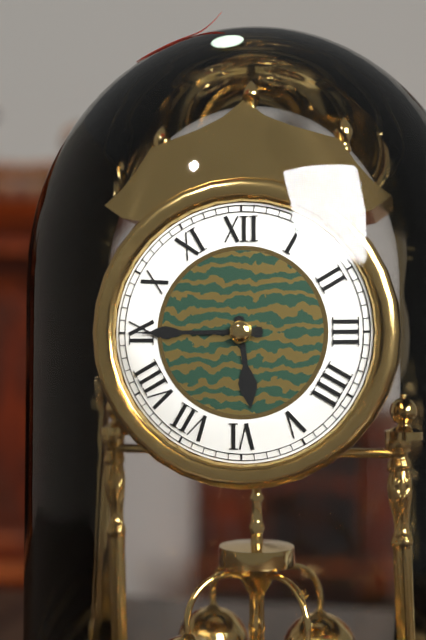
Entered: 5.45
